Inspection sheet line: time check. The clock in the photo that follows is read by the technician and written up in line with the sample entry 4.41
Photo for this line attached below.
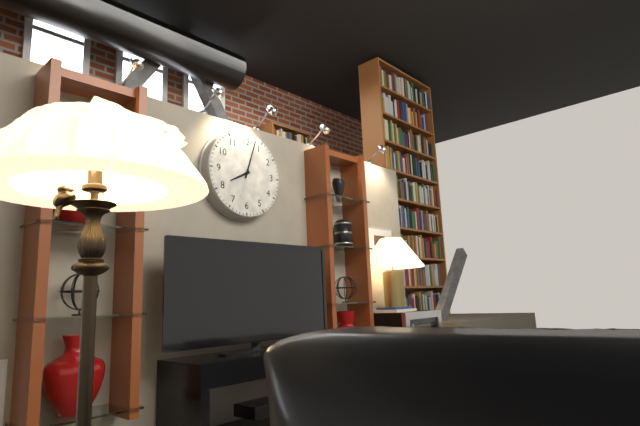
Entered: 8.03
